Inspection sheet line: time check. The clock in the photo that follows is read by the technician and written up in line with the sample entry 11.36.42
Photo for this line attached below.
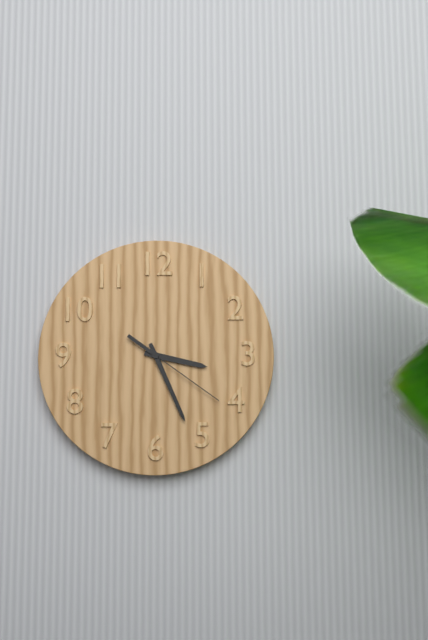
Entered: 3.26.21
